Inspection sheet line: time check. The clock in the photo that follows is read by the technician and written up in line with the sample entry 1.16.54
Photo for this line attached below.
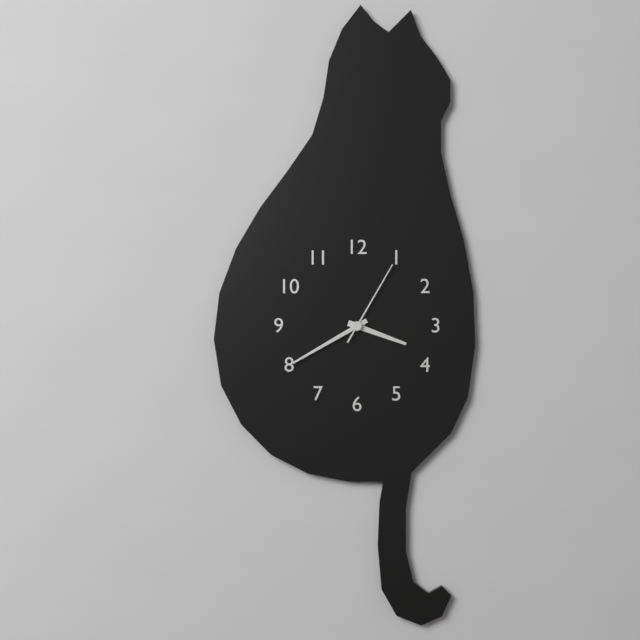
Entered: 3.40.05
